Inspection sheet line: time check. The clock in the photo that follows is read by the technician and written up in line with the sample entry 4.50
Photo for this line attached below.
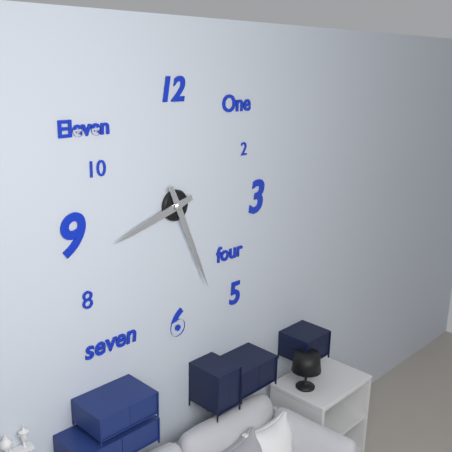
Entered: 8.26
